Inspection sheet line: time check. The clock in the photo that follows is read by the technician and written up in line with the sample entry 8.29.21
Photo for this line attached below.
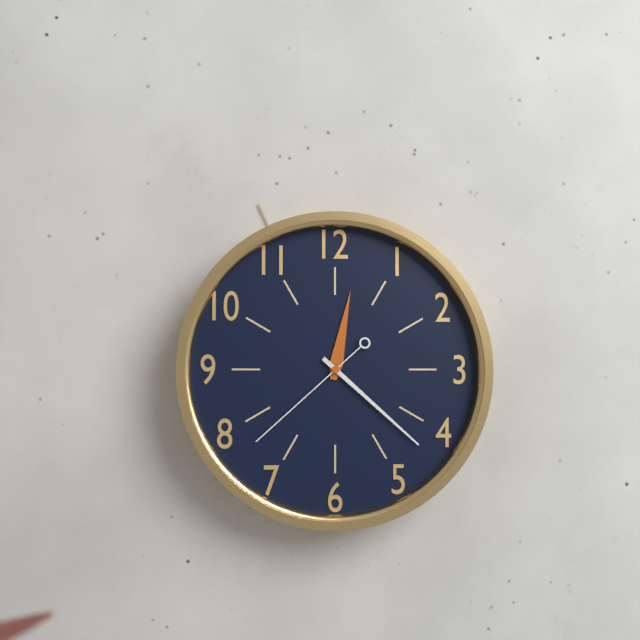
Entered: 12.22.38
